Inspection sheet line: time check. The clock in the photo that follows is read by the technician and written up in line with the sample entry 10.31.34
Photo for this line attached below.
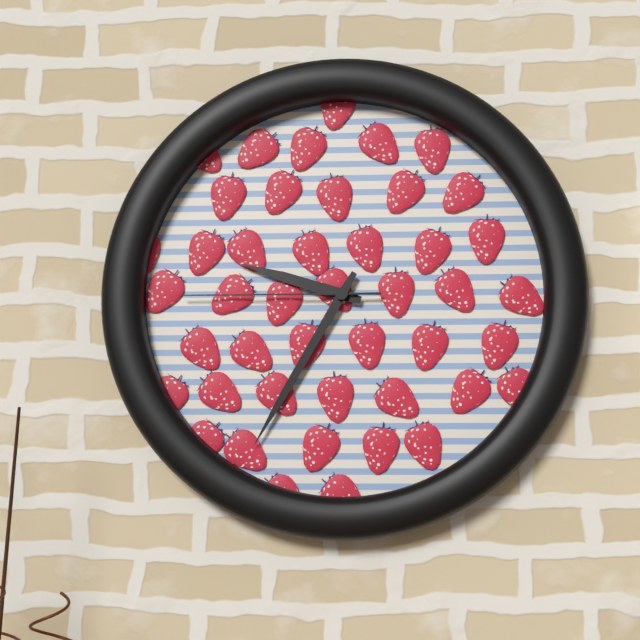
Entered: 9.35.45
